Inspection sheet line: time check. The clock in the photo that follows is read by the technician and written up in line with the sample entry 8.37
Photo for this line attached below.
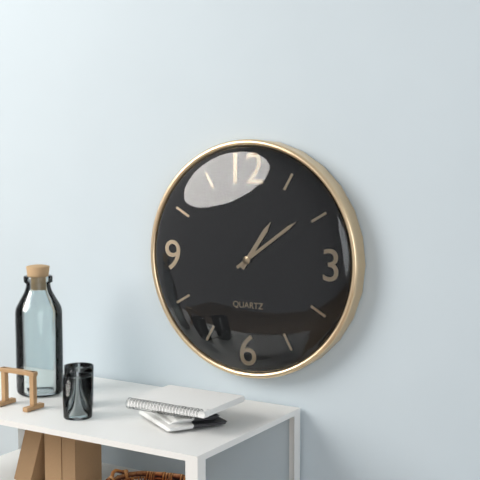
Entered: 1.09
